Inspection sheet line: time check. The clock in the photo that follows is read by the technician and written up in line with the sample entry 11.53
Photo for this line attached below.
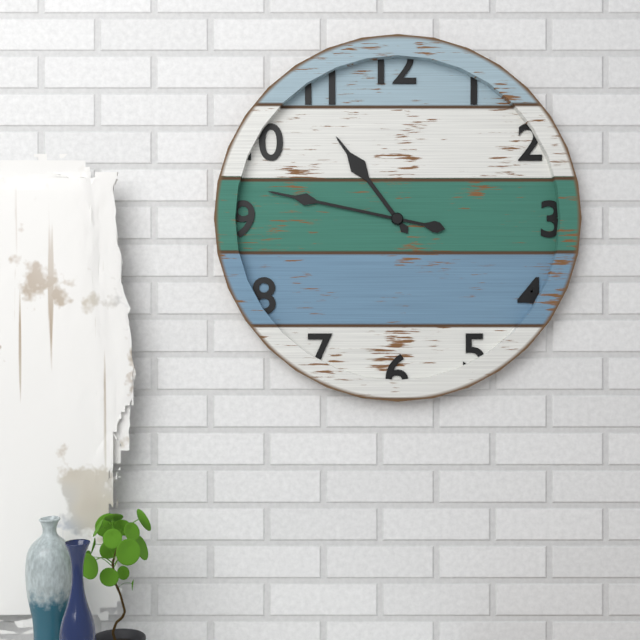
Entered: 10.47
